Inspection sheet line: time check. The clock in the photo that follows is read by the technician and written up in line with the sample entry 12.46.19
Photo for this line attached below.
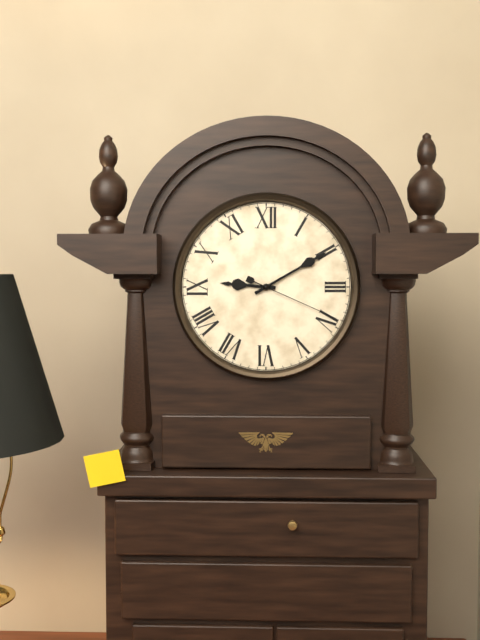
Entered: 9.10.19
